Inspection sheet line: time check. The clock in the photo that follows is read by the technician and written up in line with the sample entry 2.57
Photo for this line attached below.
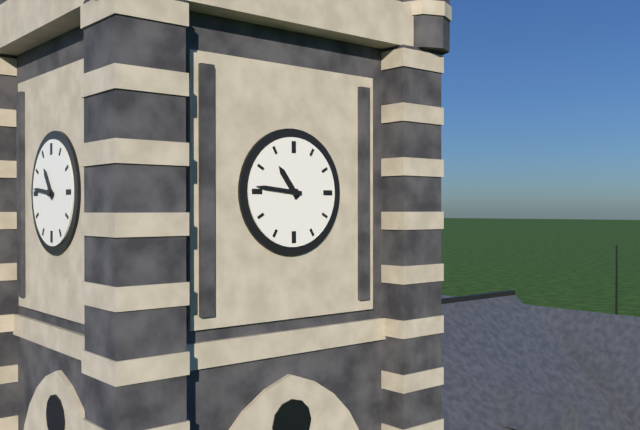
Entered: 10.46
